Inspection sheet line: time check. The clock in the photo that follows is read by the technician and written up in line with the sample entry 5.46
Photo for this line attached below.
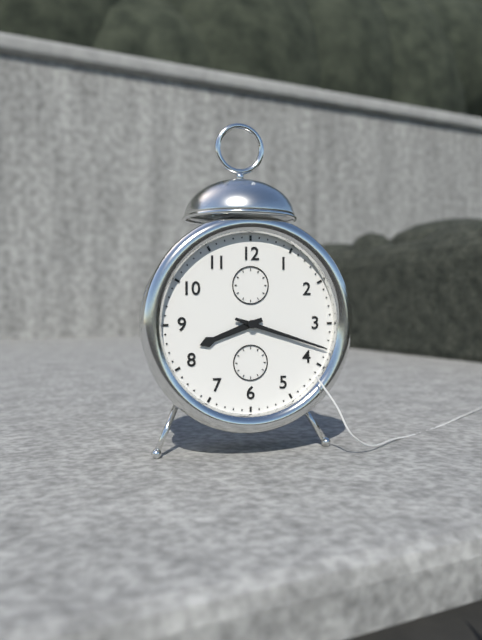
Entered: 8.18
